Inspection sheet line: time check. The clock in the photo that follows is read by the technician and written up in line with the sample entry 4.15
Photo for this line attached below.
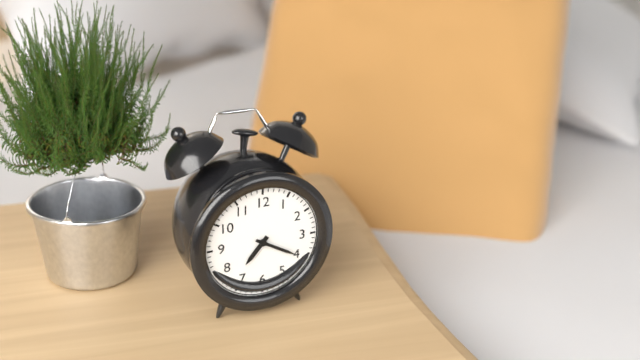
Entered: 7.20
